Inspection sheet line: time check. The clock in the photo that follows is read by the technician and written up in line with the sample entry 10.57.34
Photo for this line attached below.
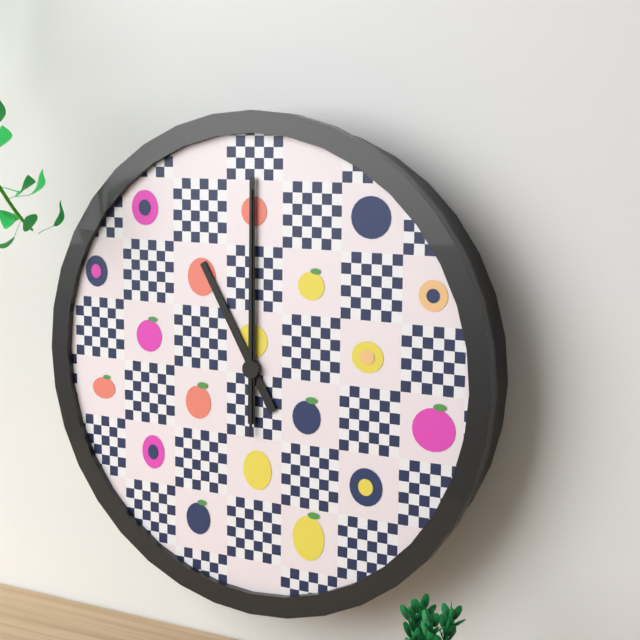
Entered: 11.00.00
